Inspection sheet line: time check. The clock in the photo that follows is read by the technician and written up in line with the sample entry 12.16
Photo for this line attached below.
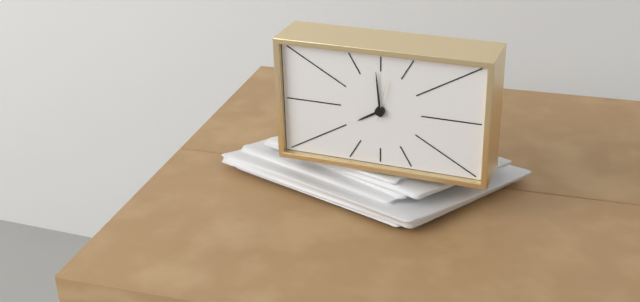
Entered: 7.59
